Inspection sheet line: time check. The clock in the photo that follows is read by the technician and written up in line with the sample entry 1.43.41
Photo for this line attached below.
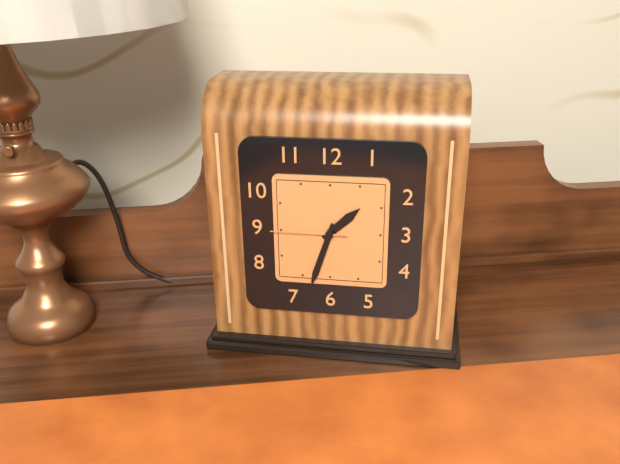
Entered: 1.33.45
